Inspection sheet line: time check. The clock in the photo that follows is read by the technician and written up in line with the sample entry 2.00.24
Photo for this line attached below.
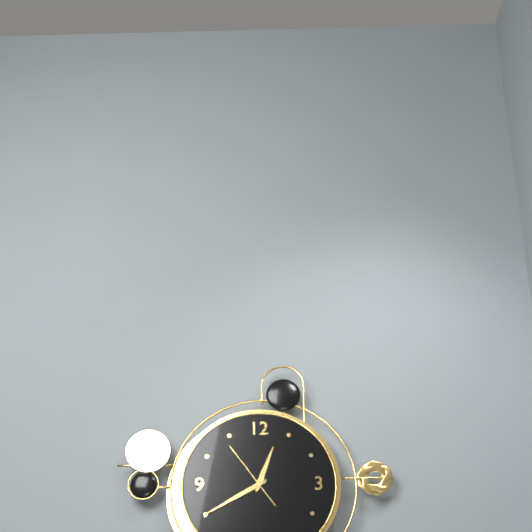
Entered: 12.40.54
